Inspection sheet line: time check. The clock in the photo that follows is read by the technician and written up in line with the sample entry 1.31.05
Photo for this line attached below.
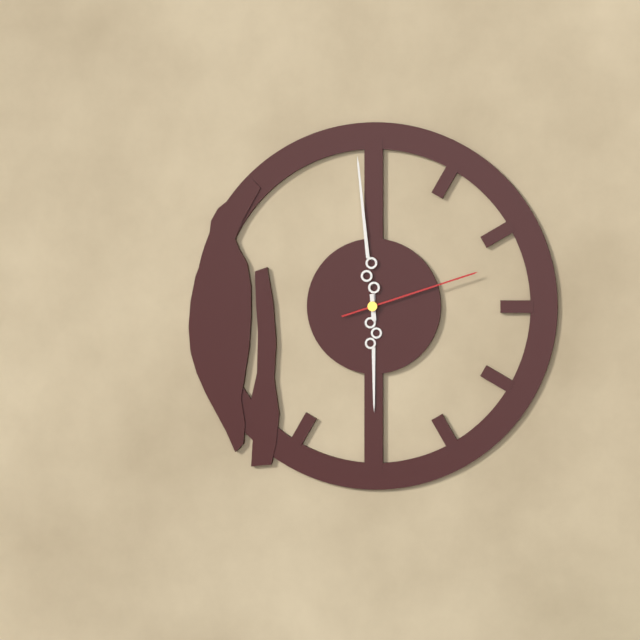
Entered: 5.59.12
